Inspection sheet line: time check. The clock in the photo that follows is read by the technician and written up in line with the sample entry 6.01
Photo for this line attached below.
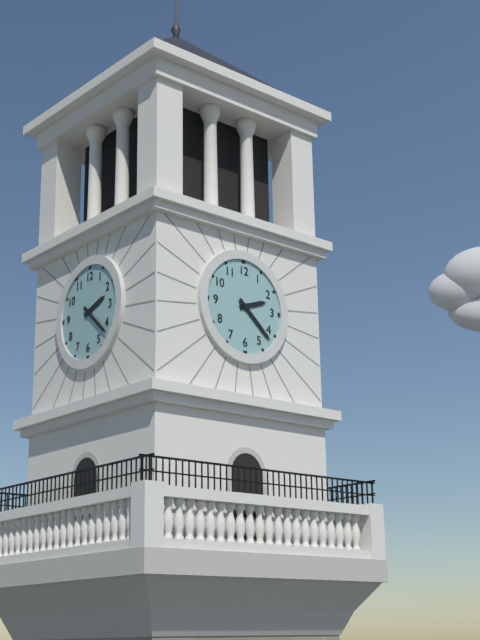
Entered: 2.22
